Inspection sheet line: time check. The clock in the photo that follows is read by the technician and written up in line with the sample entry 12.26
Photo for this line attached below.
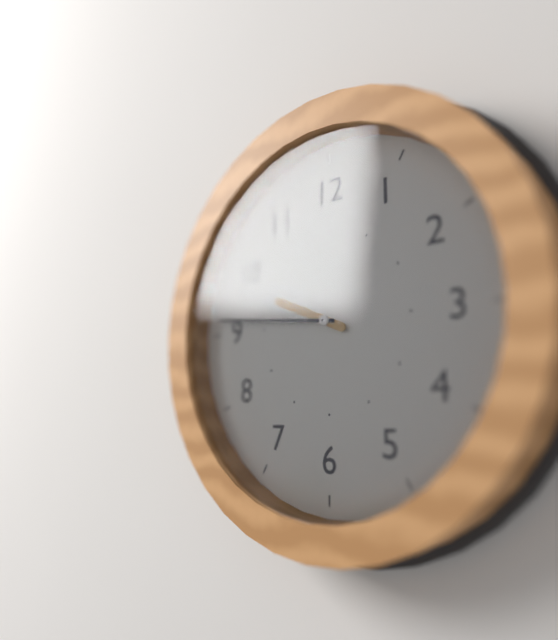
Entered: 9.46
